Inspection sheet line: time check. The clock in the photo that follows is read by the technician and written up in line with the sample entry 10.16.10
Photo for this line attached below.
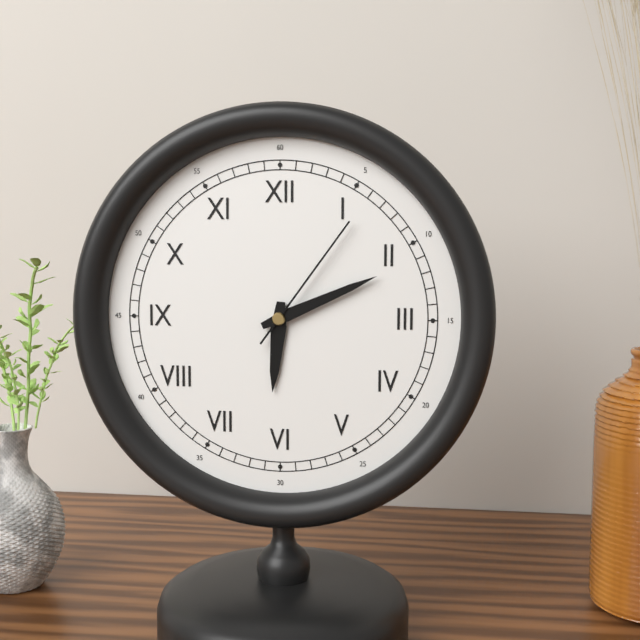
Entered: 6.11.06
